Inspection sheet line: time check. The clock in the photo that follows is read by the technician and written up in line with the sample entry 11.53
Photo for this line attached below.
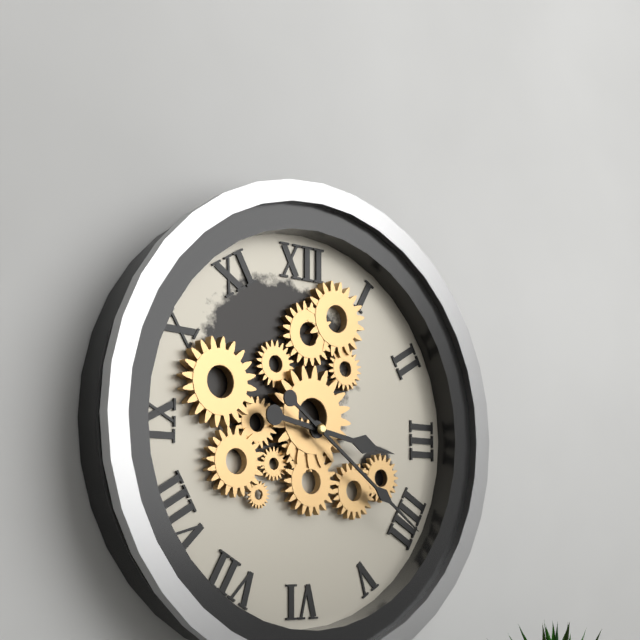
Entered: 3.21
